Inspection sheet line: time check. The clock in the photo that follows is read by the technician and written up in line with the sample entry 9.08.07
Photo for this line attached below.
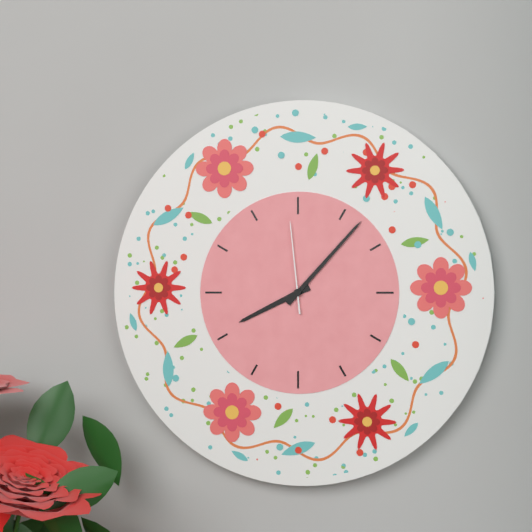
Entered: 8.07.59
